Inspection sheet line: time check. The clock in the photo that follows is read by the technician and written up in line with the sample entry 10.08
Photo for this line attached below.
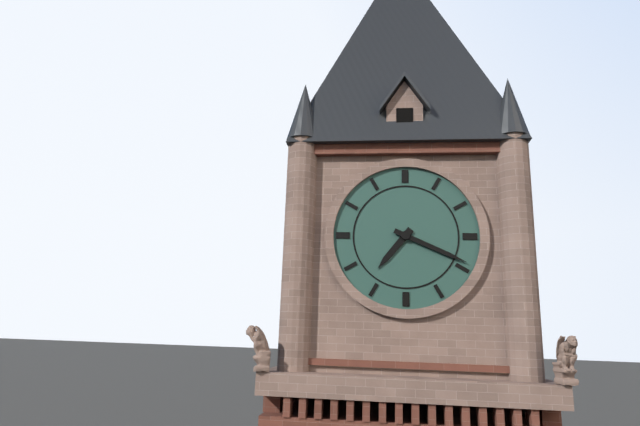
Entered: 7.19
